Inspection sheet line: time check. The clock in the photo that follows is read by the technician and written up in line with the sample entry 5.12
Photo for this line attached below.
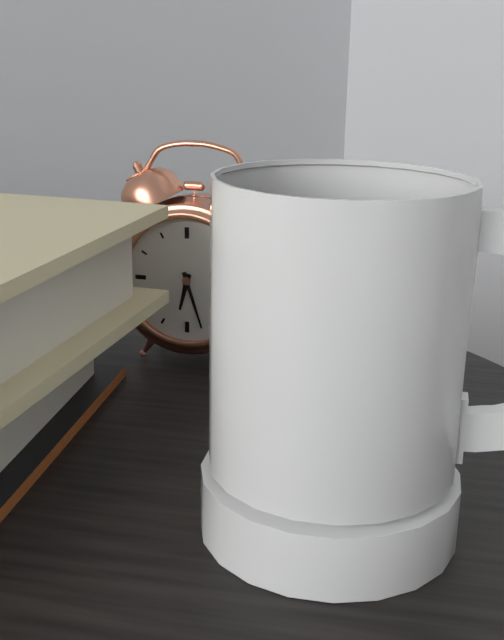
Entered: 6.27
